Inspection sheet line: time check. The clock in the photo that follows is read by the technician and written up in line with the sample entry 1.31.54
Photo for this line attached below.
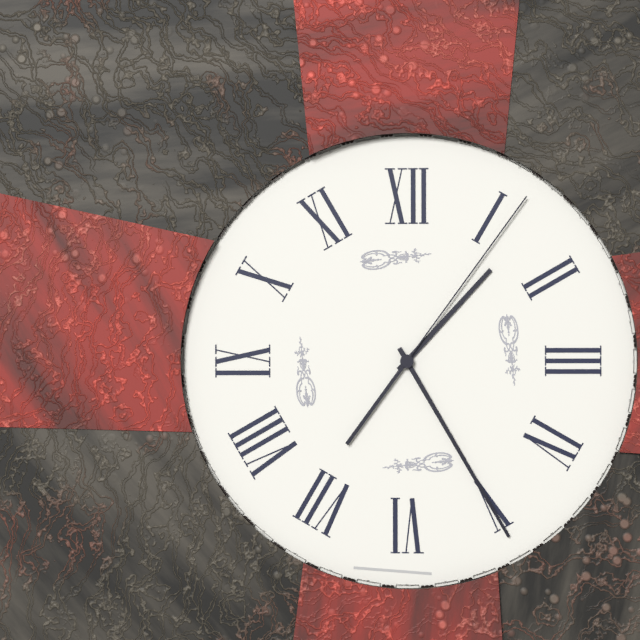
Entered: 1.25.06
